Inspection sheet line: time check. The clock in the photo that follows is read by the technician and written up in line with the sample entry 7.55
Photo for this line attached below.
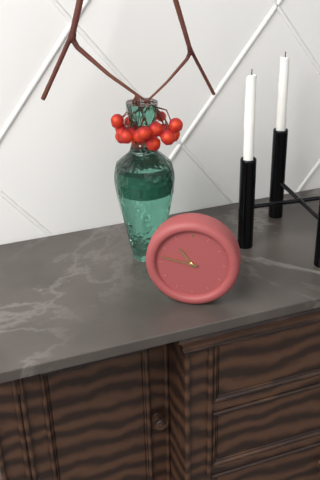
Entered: 10.47
